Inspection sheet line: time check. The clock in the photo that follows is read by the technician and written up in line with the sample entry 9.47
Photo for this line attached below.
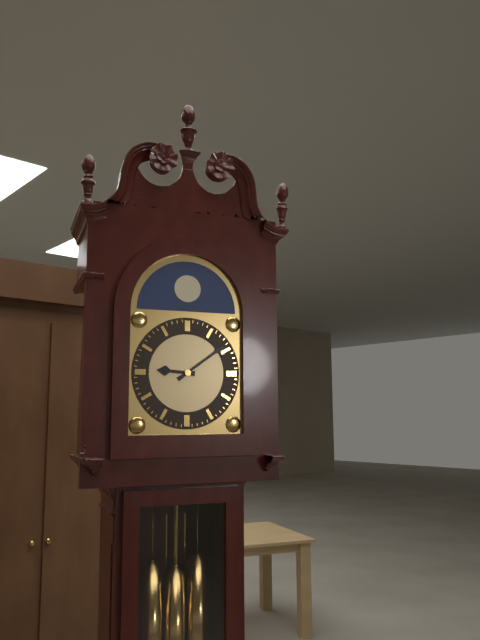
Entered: 9.09
